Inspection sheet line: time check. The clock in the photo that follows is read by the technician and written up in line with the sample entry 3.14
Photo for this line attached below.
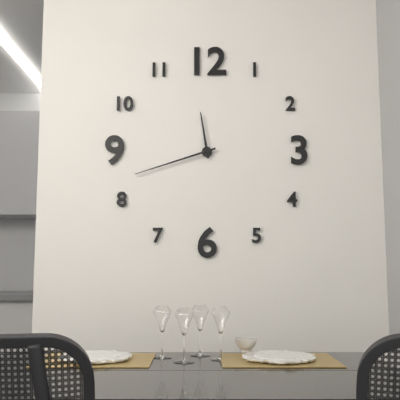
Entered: 11.42
